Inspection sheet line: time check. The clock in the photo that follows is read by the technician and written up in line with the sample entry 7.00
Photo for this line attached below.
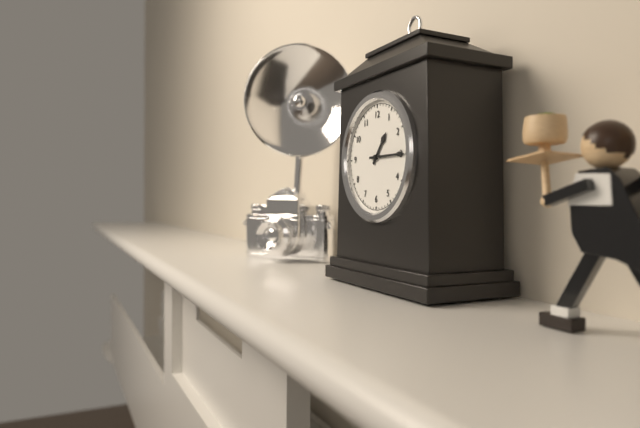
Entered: 1.15
